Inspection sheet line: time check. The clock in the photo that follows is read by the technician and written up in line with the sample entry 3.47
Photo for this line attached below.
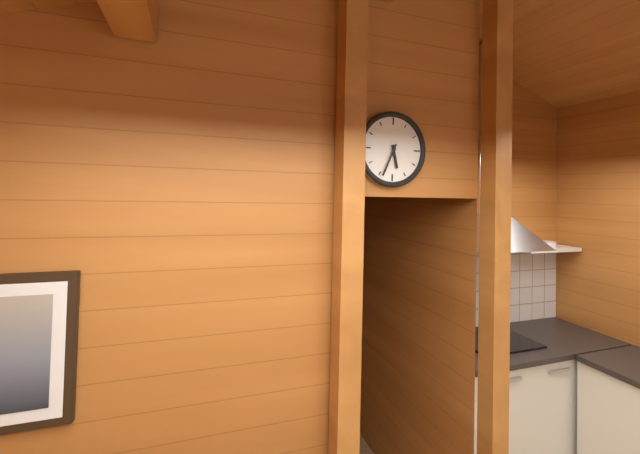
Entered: 5.34
